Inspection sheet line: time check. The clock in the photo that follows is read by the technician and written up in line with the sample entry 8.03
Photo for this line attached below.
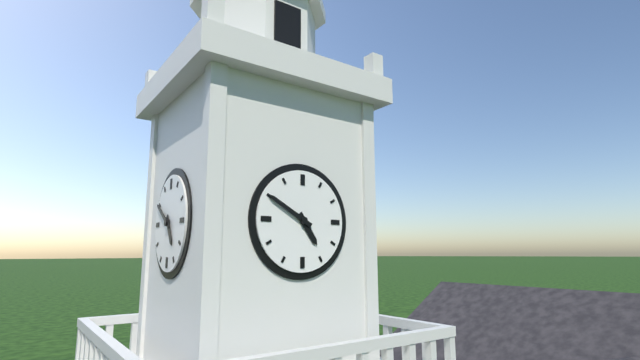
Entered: 4.50
